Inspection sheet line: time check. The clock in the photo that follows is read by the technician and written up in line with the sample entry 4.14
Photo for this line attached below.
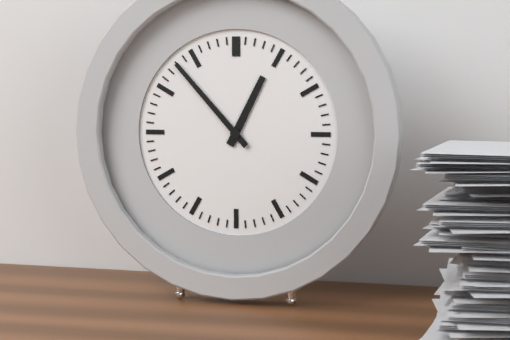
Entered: 12.53
